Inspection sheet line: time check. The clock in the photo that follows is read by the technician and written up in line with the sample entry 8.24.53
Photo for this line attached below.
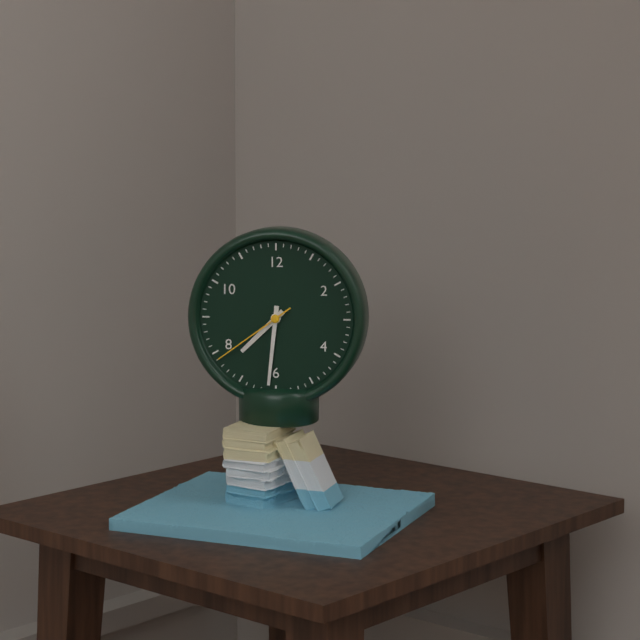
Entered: 7.31.39
